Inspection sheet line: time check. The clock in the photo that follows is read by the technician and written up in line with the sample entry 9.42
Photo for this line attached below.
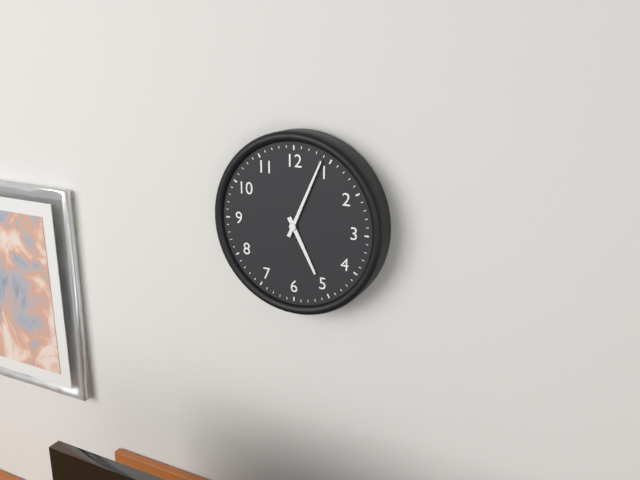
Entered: 5.04
